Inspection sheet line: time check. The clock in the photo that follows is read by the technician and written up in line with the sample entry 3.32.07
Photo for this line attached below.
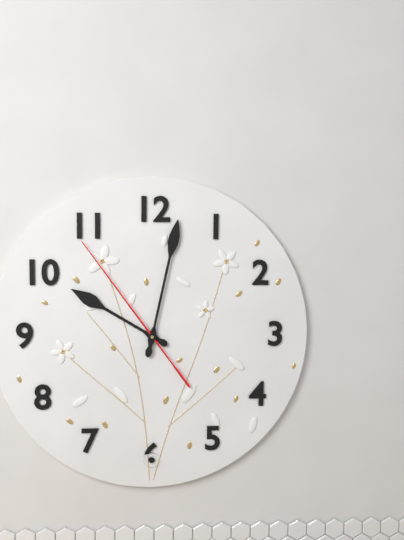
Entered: 10.02.54
